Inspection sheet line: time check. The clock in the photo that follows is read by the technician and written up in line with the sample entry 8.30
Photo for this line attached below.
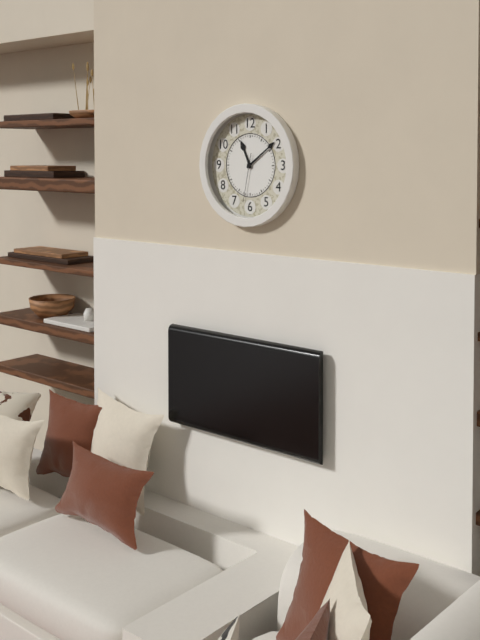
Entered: 11.09
